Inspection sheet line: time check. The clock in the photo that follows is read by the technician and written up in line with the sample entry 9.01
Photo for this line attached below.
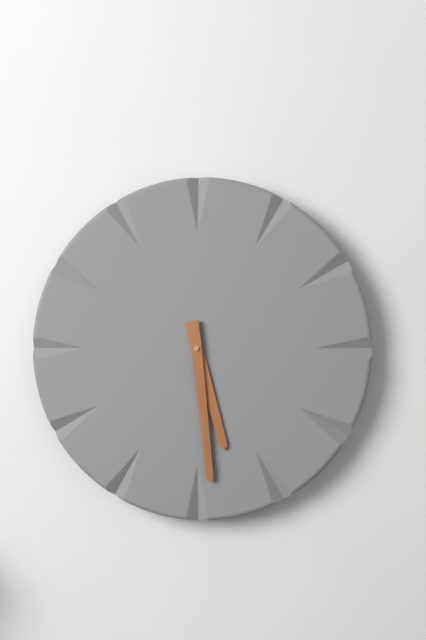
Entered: 5.29
